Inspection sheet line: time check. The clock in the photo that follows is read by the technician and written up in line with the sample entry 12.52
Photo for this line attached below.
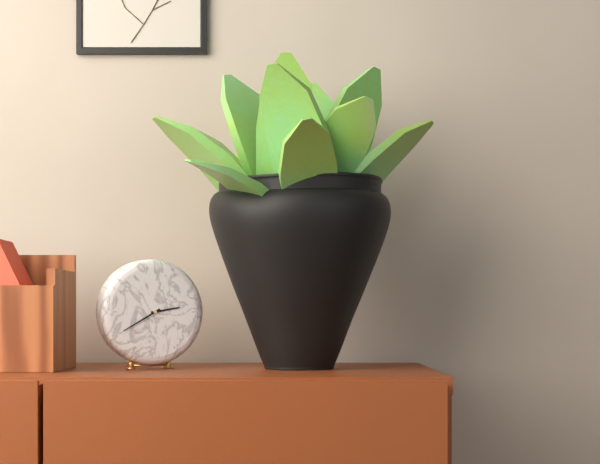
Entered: 2.40
